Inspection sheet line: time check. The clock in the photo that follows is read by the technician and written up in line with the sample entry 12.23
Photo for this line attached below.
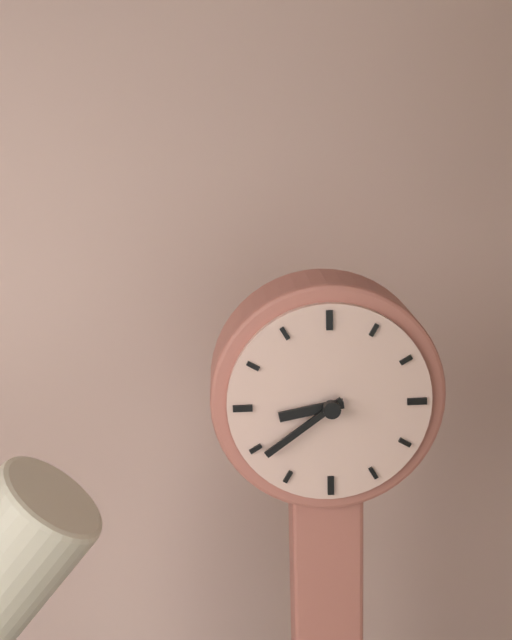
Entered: 8.39
